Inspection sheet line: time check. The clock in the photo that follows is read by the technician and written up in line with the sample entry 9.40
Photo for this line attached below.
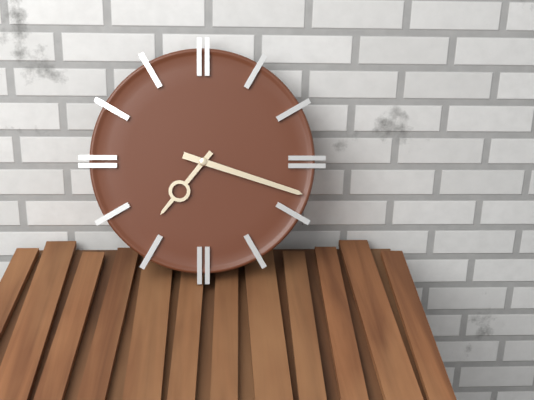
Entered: 7.18
